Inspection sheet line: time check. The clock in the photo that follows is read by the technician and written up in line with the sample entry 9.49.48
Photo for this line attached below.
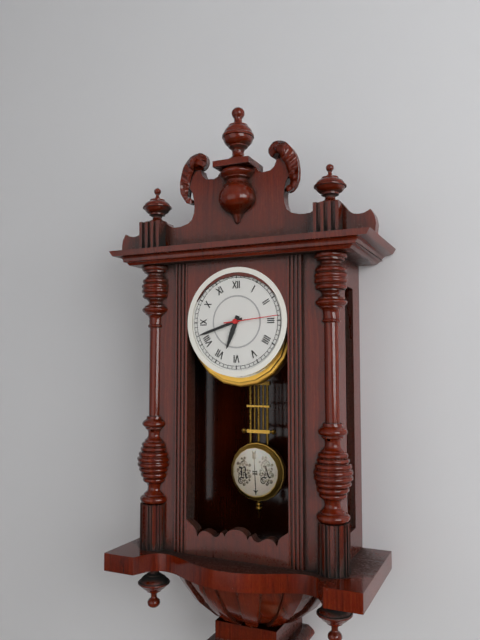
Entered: 6.42.14
